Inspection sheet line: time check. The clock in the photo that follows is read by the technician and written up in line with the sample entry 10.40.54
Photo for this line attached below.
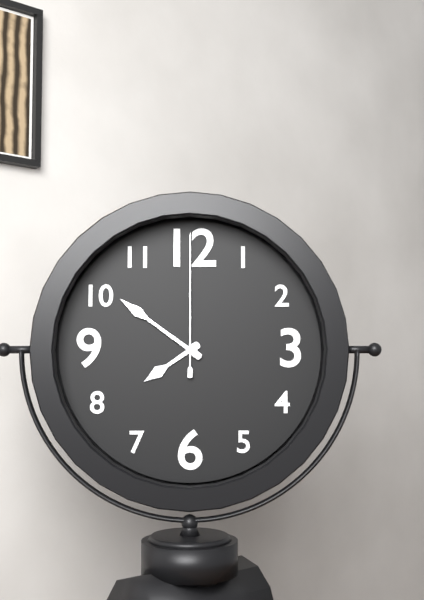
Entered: 7.51.00
